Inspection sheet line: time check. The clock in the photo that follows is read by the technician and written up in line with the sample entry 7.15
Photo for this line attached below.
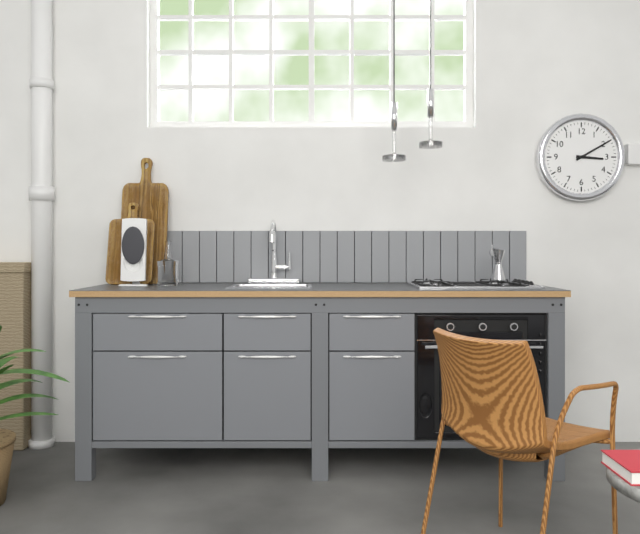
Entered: 3.10
